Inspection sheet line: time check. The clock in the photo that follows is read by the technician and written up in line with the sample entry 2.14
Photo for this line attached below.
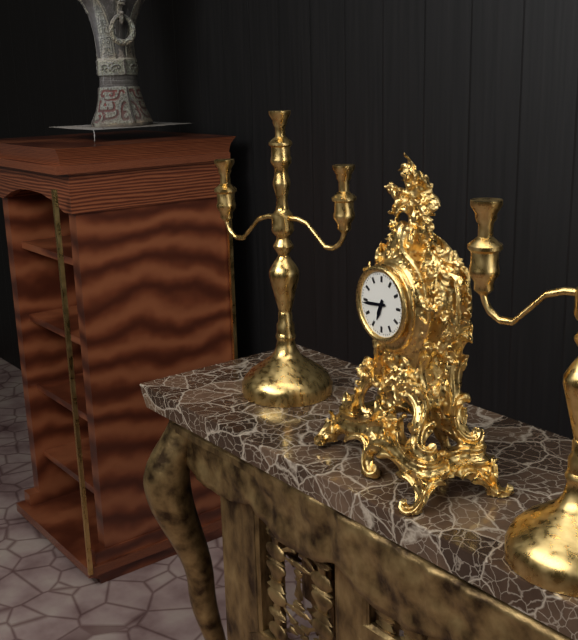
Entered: 6.44
